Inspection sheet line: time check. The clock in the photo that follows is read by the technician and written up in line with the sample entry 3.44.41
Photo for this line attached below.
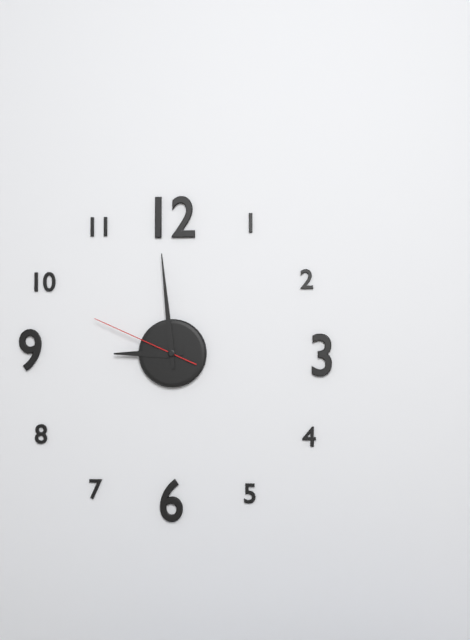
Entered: 8.59.49
